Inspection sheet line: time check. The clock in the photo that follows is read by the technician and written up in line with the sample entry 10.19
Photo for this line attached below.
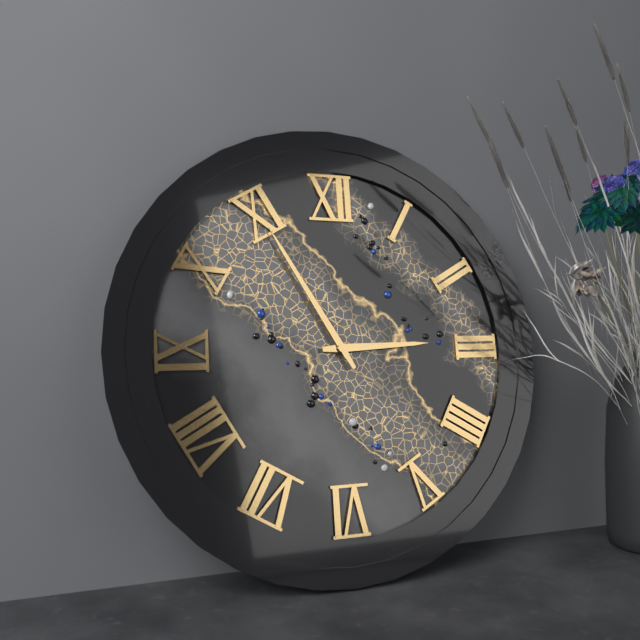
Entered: 2.55
